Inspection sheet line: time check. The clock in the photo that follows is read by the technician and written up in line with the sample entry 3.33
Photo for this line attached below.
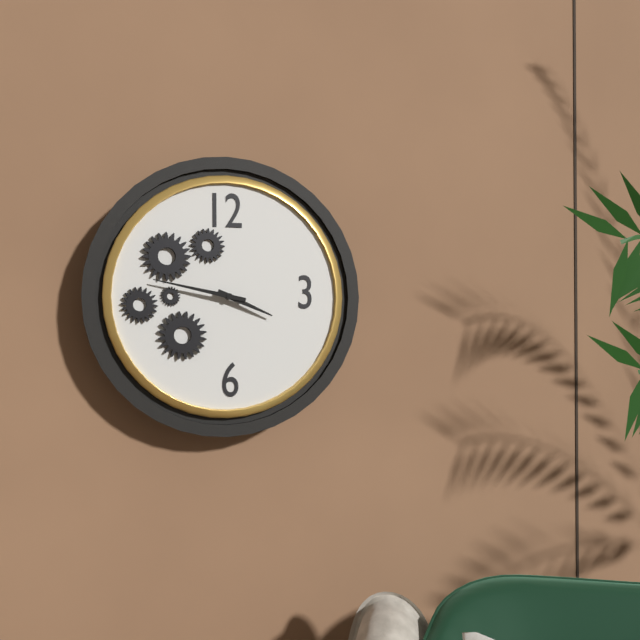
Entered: 3.47
